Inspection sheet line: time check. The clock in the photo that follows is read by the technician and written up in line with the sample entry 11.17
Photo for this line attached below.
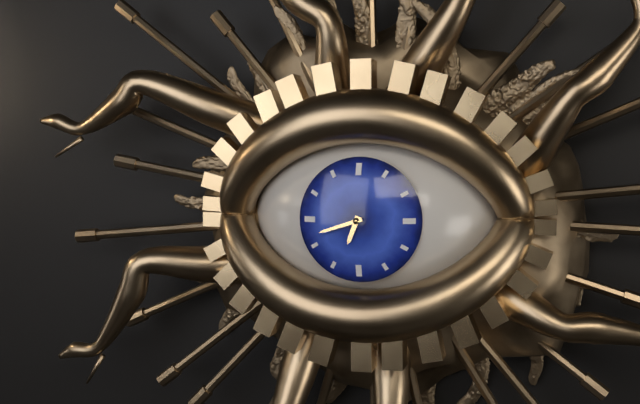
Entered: 6.42
